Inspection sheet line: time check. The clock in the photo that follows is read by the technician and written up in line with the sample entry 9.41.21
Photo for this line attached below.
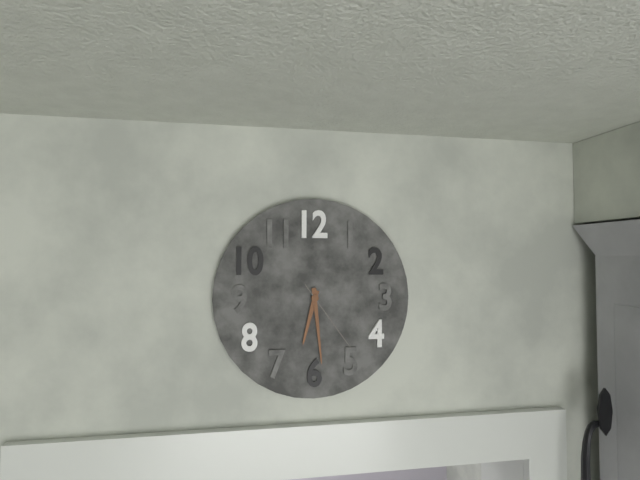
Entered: 6.29.24
